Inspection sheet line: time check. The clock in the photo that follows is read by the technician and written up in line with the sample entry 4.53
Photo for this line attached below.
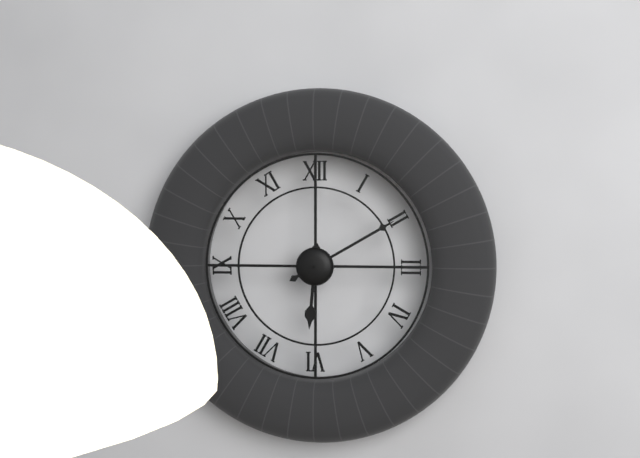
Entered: 6.10
